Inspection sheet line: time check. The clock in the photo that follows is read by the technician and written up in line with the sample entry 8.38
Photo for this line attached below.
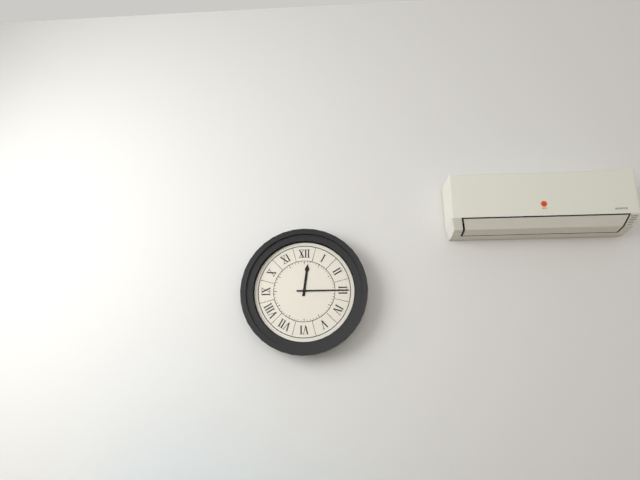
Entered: 12.15
